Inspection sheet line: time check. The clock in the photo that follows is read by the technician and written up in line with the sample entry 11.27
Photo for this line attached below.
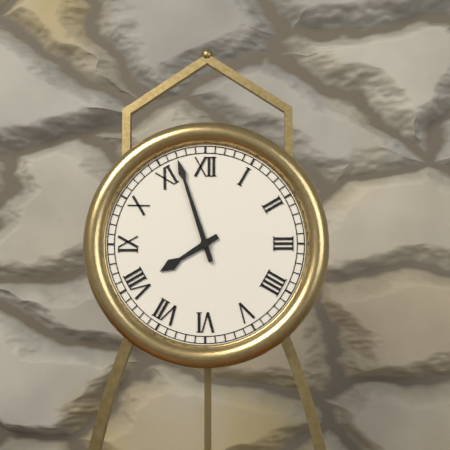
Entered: 7.57
